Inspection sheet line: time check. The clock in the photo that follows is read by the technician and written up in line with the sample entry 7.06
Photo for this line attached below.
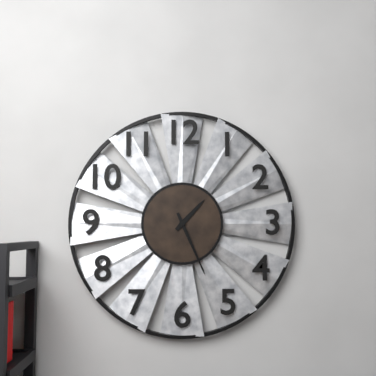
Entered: 1.26
